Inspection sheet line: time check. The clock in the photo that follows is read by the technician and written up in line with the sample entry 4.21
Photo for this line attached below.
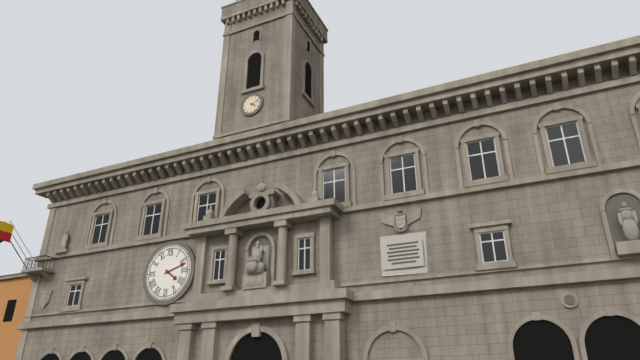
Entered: 4.12
